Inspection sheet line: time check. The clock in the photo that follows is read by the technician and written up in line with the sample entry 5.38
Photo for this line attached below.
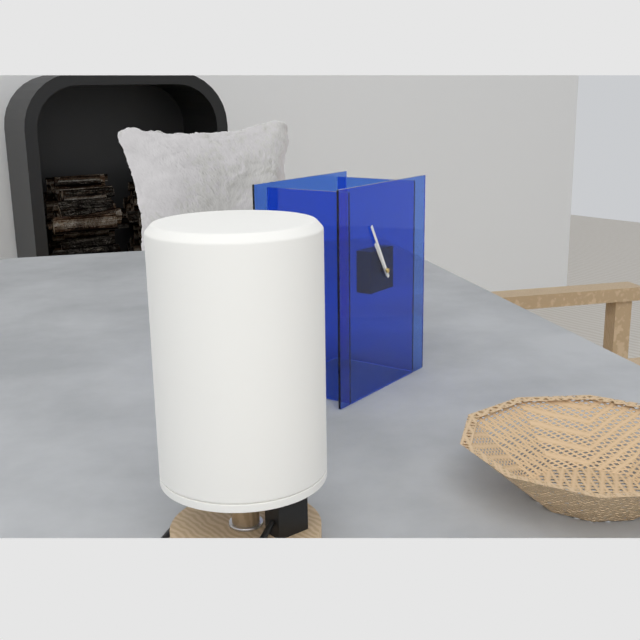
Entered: 10.55
